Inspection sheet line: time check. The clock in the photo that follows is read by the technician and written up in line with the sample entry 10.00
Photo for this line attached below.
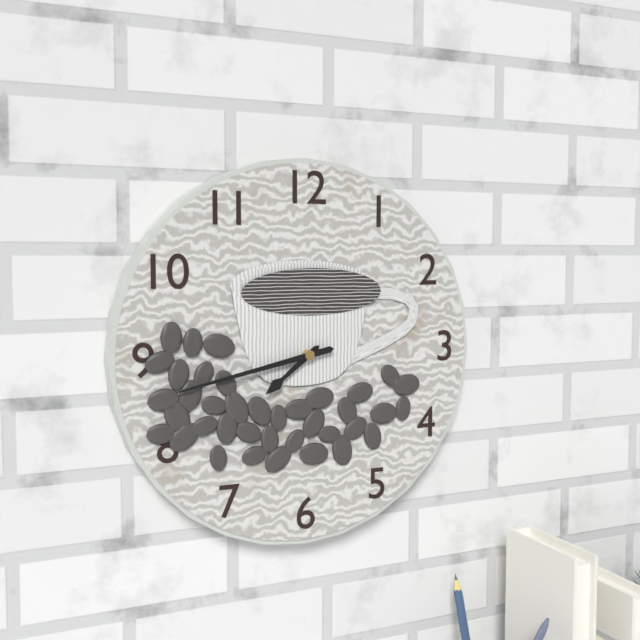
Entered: 7.43
